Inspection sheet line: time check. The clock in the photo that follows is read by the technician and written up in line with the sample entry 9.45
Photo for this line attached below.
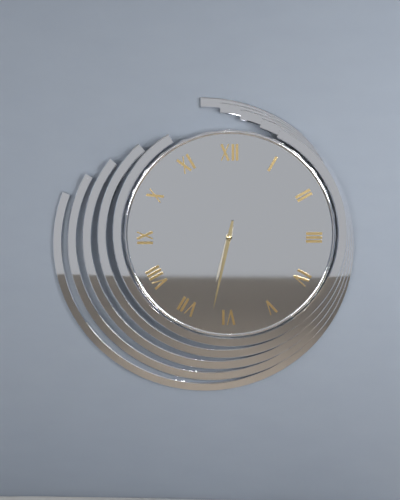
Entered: 6.32
